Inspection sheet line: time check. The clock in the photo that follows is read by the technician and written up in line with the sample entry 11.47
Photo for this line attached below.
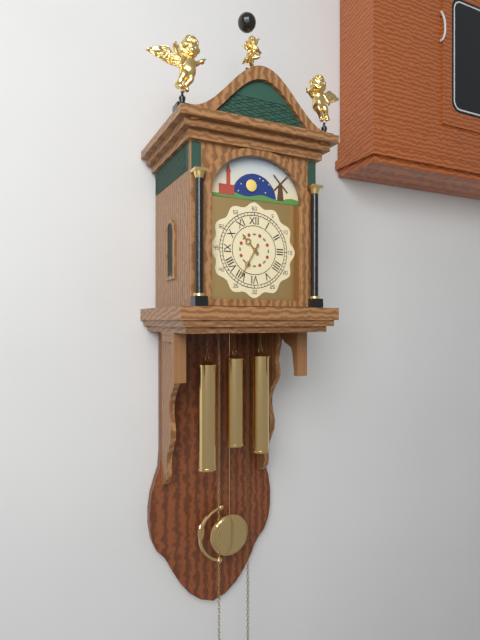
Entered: 10.35
